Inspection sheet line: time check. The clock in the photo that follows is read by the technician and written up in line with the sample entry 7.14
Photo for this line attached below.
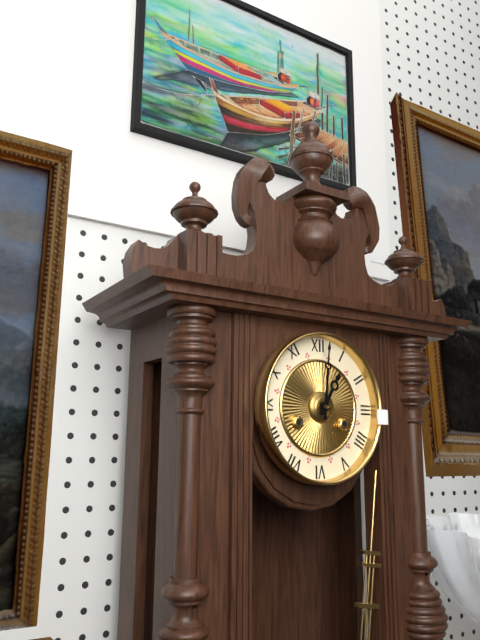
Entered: 1.01
